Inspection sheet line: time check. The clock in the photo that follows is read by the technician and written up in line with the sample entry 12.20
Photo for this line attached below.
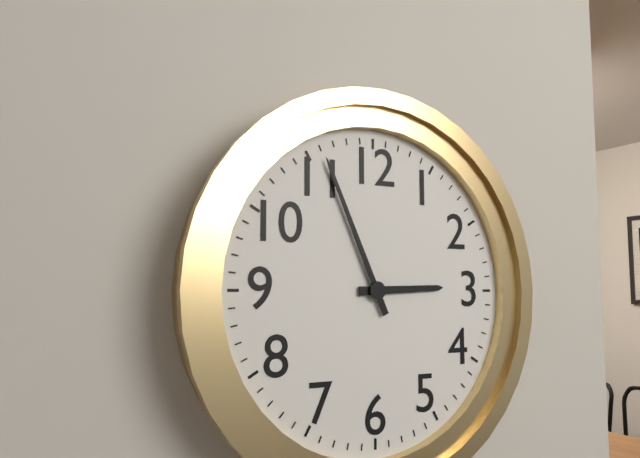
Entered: 2.56
